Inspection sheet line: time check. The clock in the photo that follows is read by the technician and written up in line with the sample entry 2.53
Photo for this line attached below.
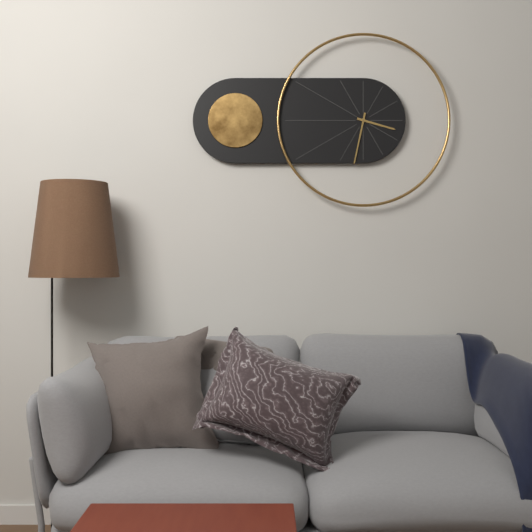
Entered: 3.32
